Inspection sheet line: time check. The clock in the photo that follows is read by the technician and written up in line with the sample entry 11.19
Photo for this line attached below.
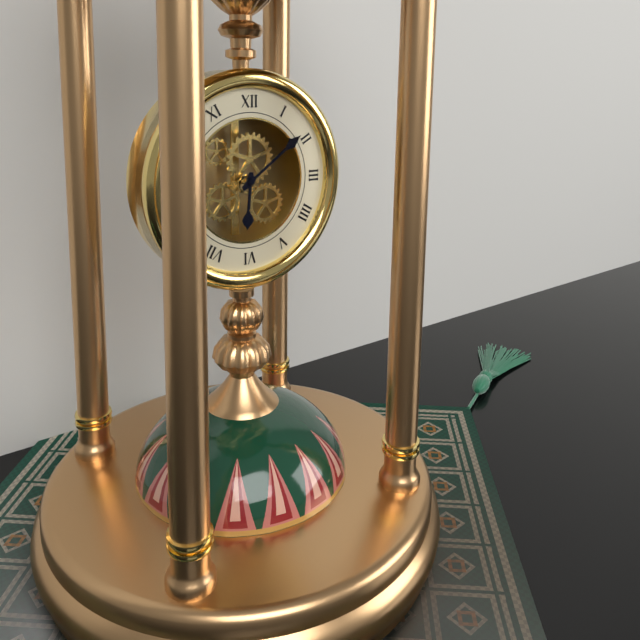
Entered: 6.09
